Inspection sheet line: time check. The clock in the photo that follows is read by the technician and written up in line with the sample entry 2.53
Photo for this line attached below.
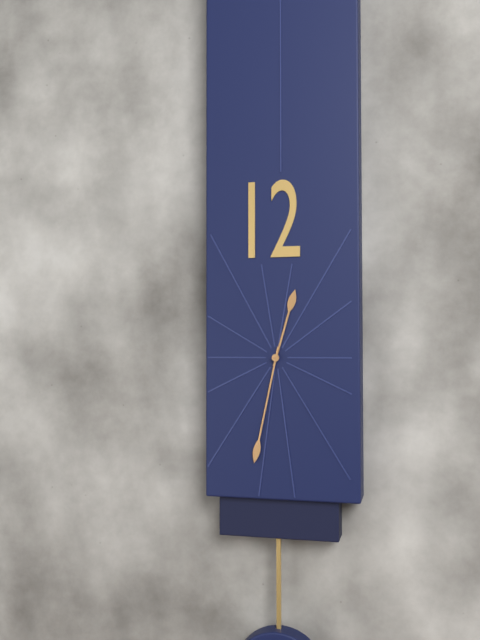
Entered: 12.32
